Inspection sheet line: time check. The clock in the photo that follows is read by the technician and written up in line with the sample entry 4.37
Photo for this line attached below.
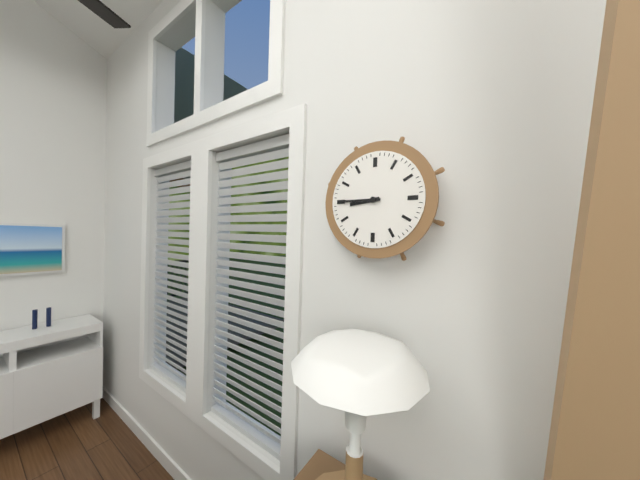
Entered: 8.45
